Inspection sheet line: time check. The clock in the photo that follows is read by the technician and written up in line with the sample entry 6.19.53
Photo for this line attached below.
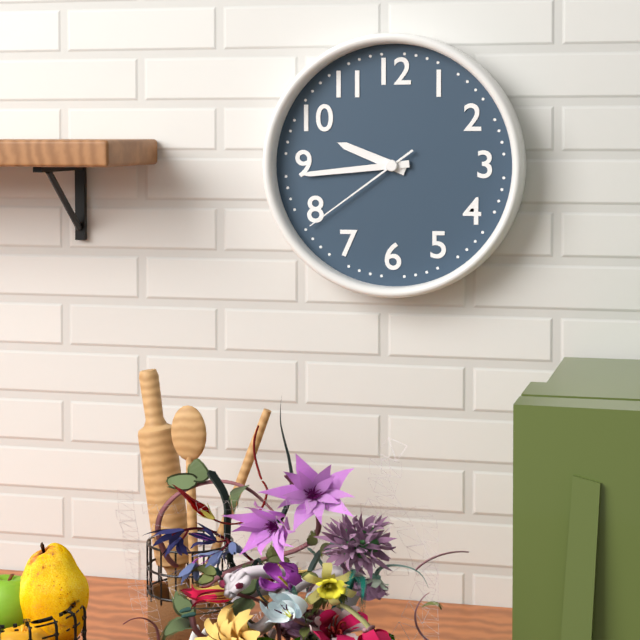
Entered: 9.44.39
